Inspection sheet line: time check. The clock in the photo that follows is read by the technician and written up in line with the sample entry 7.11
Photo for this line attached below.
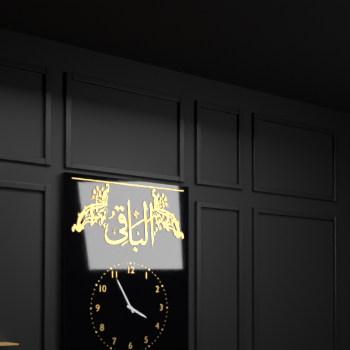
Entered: 3.55
